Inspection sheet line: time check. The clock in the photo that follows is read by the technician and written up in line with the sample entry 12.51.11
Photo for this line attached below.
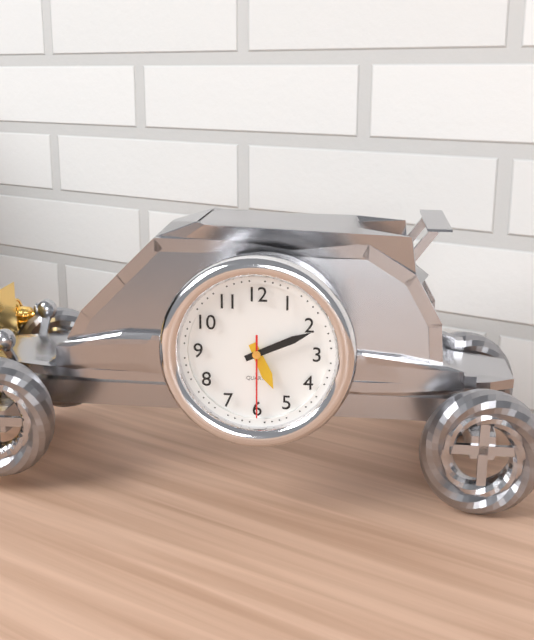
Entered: 5.11.30
